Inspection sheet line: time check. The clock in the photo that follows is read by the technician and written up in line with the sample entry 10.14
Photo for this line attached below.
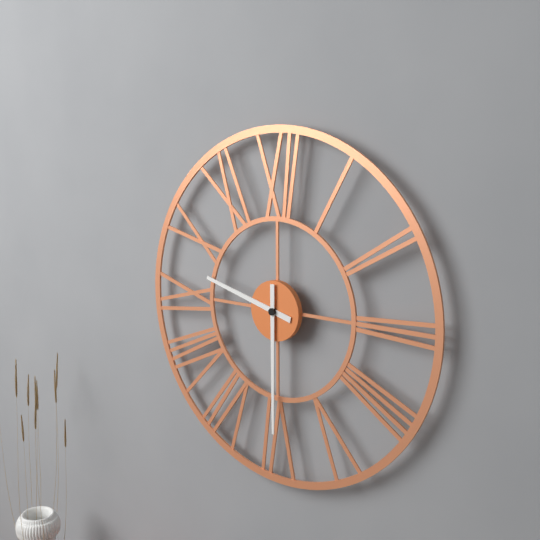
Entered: 9.30
